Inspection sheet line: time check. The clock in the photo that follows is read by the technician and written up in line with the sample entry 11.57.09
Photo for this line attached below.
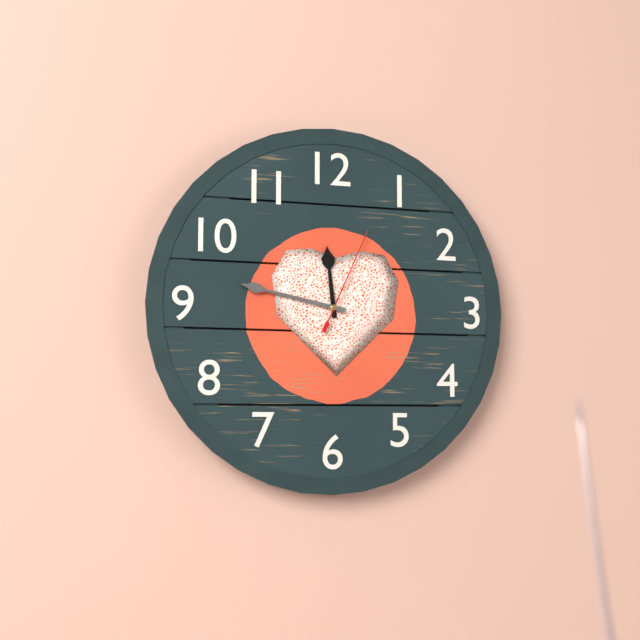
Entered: 11.47.04
